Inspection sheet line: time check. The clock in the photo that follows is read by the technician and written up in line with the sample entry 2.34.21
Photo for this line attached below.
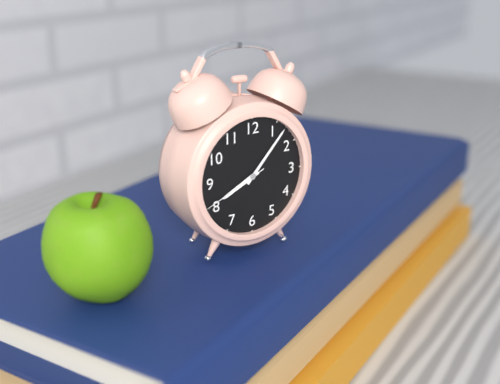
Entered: 8.07.41
